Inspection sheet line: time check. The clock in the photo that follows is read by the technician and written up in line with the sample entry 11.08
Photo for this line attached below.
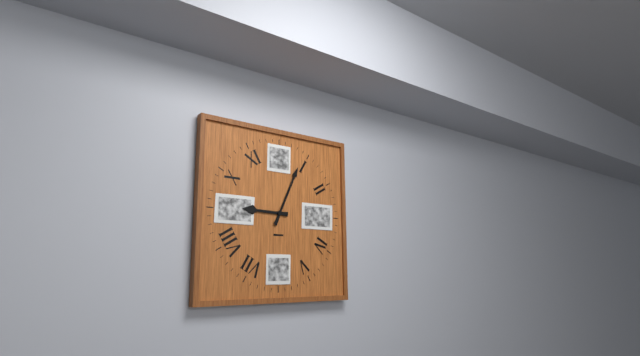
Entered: 9.04
